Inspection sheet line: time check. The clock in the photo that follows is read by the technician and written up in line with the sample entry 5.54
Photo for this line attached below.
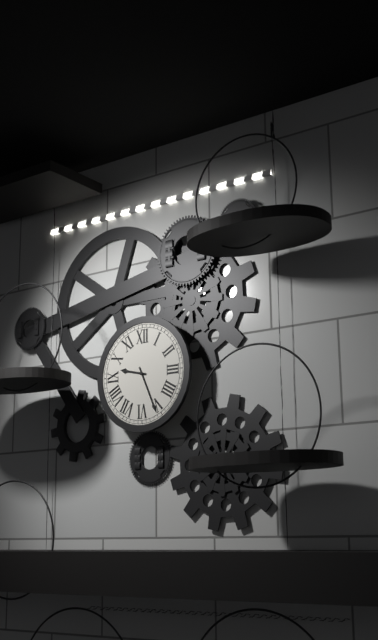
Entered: 9.26
